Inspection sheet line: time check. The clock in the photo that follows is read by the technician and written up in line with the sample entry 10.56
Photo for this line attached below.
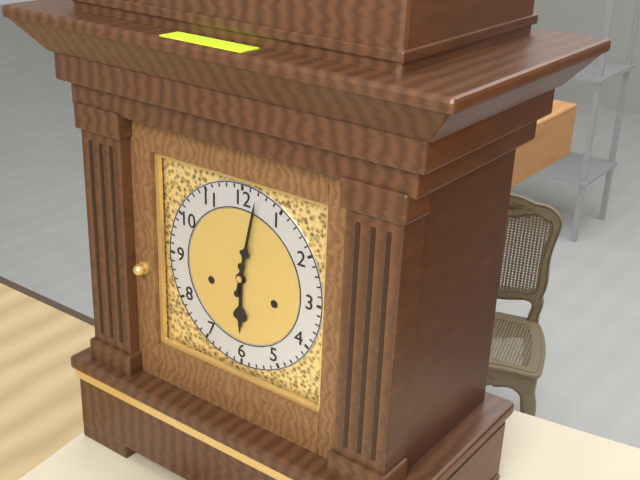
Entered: 6.02
